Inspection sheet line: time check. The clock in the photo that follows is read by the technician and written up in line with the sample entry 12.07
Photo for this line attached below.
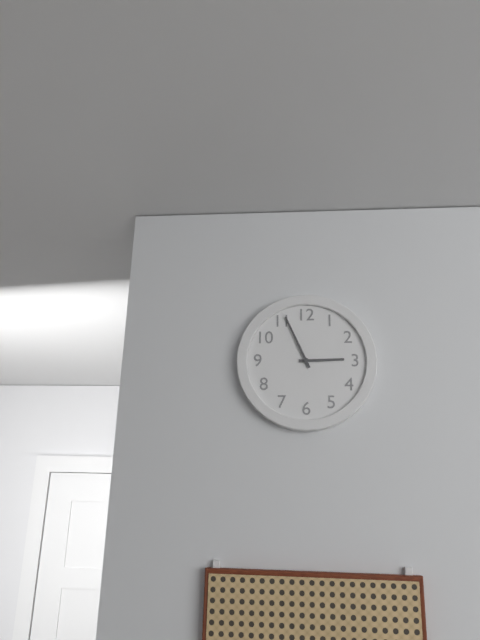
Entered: 2.56
